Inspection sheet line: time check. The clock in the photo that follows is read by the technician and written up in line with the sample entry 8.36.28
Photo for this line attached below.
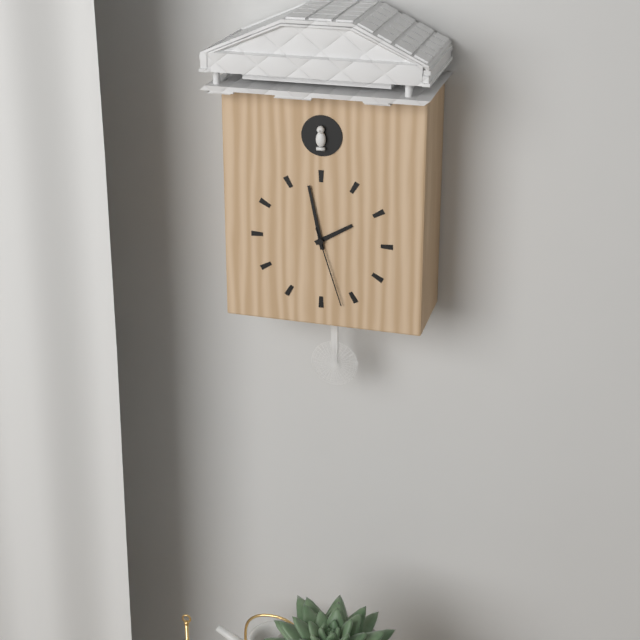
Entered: 1.58.27
